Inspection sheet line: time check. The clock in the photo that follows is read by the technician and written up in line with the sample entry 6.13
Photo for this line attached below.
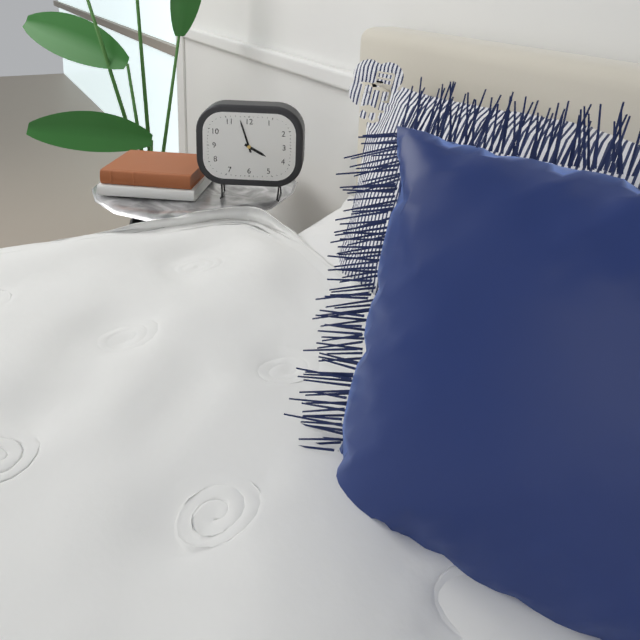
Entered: 3.57
